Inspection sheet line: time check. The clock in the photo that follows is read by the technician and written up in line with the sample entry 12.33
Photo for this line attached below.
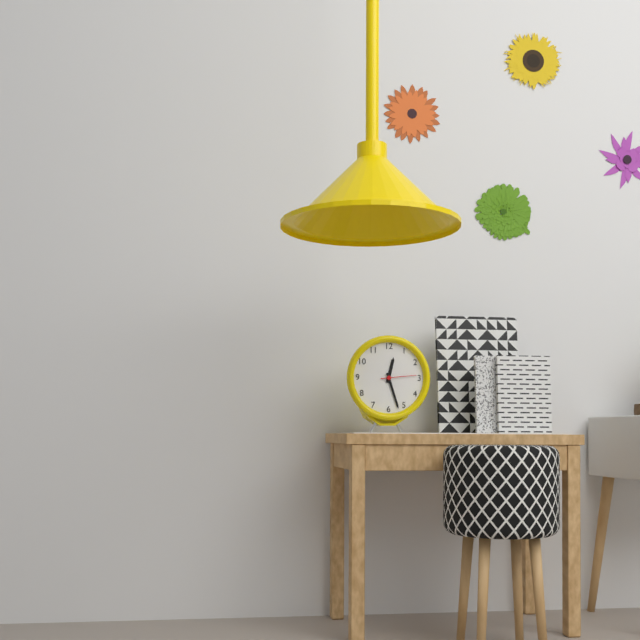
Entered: 12.27
